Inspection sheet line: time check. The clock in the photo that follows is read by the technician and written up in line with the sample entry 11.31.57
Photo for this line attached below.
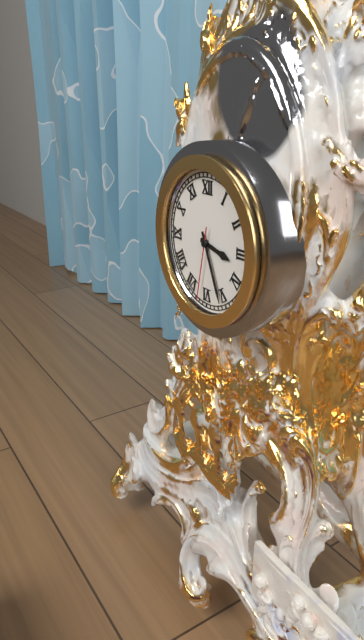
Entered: 3.26.32
